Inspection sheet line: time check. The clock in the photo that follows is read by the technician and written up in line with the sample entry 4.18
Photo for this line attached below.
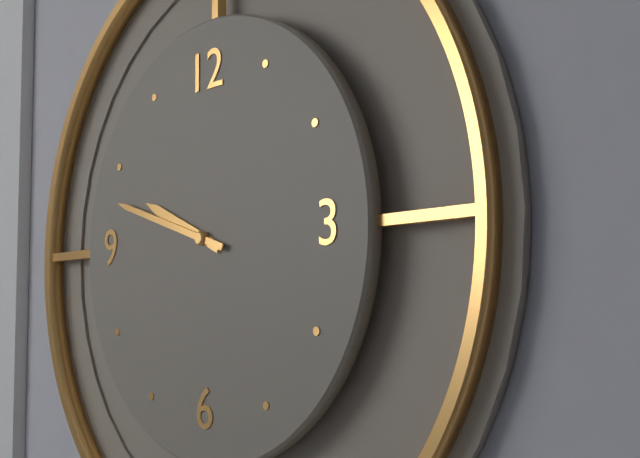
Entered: 9.48
